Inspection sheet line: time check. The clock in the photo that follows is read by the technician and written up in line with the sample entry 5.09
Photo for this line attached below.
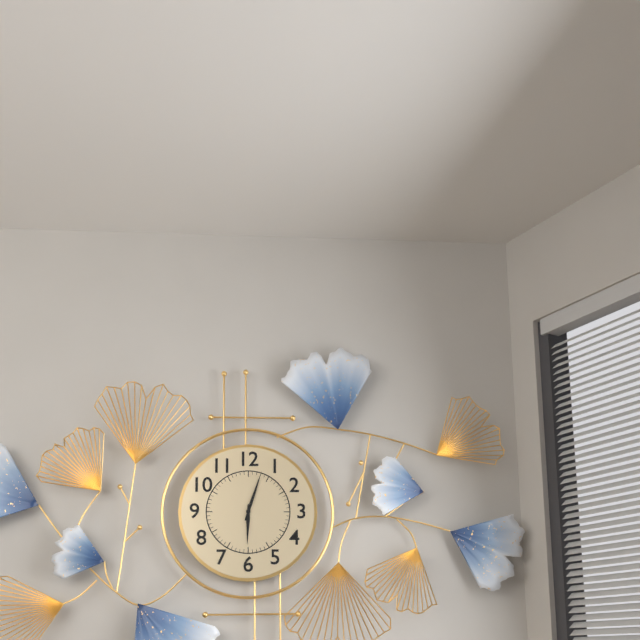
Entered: 6.03
